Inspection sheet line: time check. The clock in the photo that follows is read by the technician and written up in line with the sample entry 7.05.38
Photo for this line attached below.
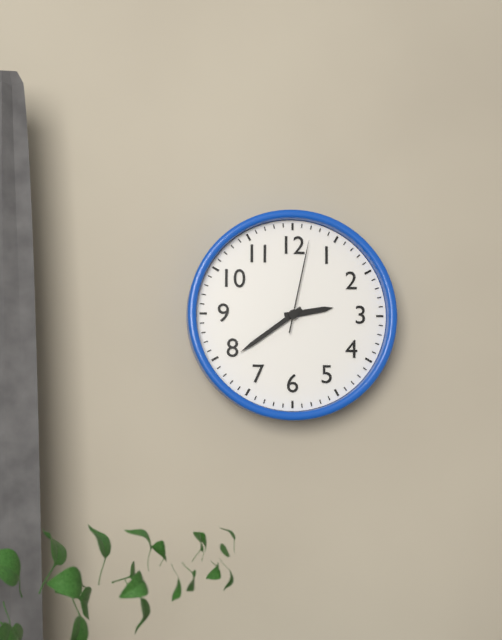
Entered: 2.39.02
